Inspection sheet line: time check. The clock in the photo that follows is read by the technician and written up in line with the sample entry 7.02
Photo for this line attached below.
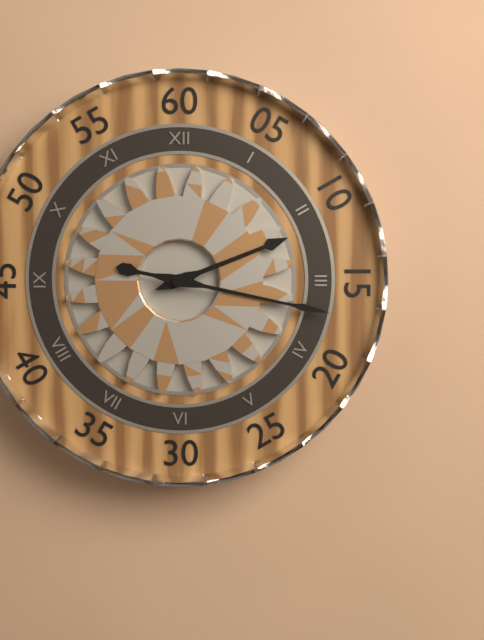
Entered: 2.17
